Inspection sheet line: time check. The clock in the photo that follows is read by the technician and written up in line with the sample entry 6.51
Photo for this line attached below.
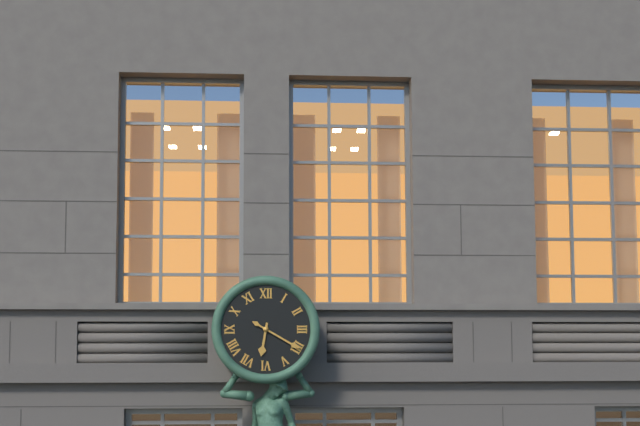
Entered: 6.20
